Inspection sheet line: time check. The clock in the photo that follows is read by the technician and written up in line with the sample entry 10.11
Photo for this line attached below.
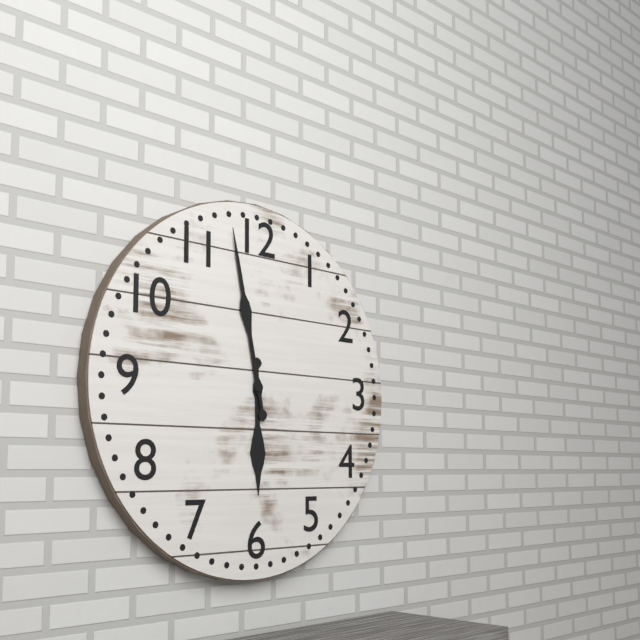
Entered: 5.58
